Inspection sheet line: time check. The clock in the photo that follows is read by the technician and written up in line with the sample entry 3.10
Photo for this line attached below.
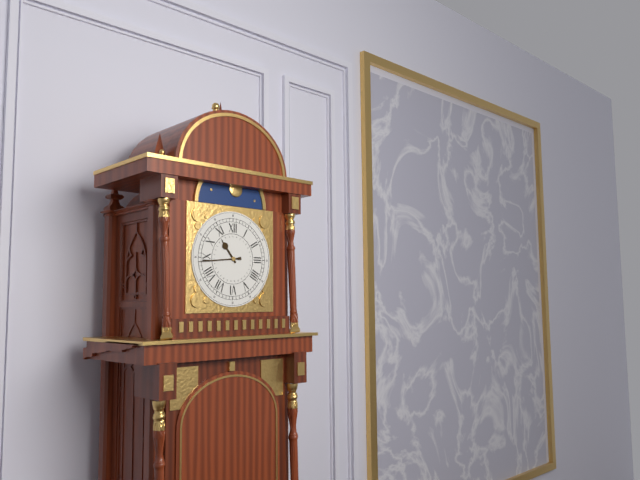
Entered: 10.44
